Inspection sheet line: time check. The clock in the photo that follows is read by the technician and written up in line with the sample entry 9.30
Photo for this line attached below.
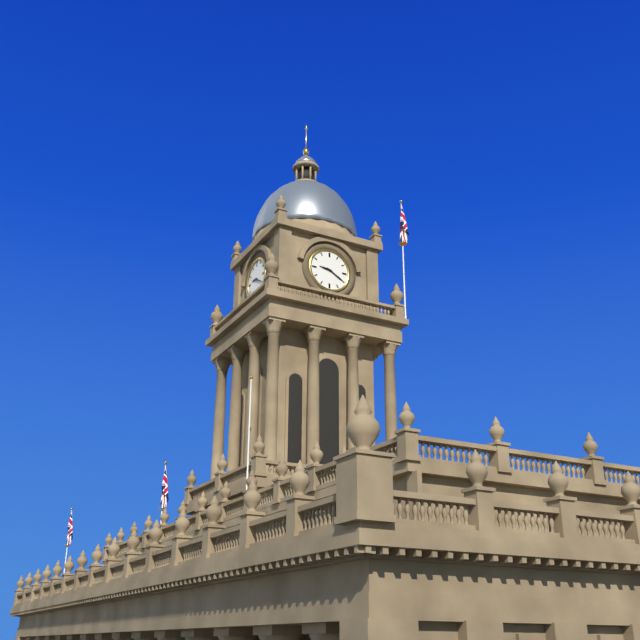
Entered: 9.20
